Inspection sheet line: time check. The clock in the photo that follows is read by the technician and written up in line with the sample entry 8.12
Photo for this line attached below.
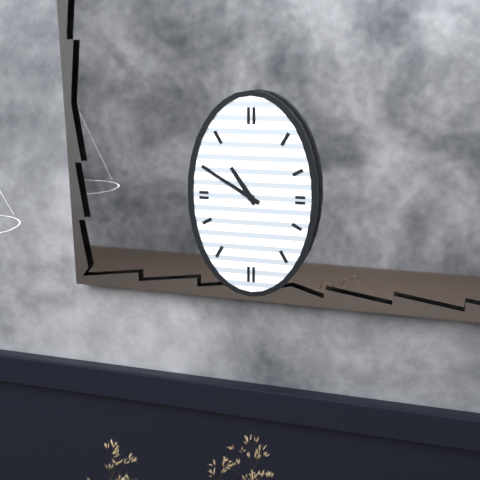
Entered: 10.50
